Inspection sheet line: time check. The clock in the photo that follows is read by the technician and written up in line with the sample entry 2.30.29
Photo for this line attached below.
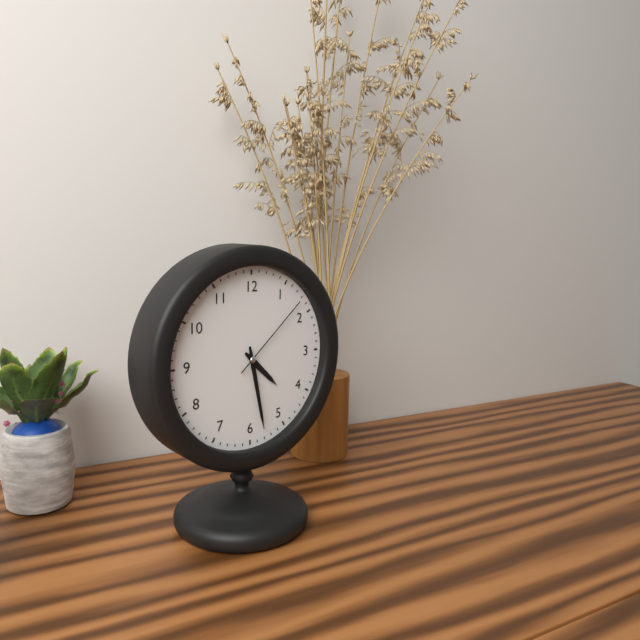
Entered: 4.28.08
